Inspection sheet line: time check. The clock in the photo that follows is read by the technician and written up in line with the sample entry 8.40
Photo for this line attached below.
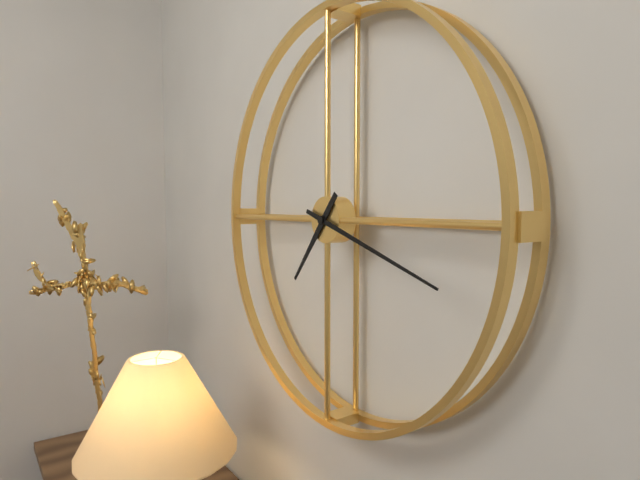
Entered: 7.18
